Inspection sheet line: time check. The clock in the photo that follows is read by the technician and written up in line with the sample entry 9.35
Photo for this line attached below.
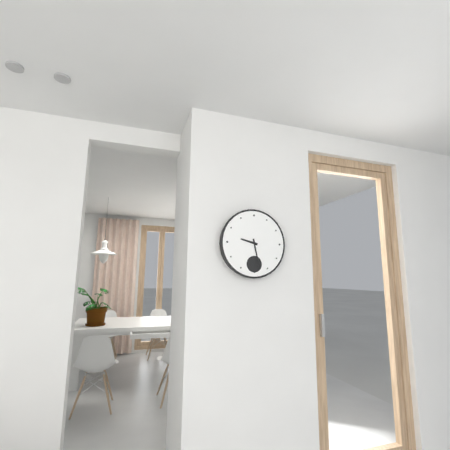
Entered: 9.28
